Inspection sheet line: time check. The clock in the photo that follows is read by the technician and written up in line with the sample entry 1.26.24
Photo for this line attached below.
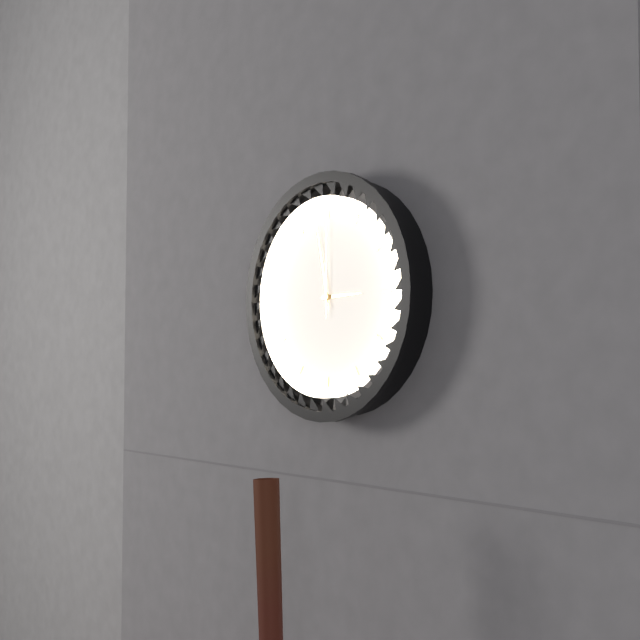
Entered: 2.58.00
